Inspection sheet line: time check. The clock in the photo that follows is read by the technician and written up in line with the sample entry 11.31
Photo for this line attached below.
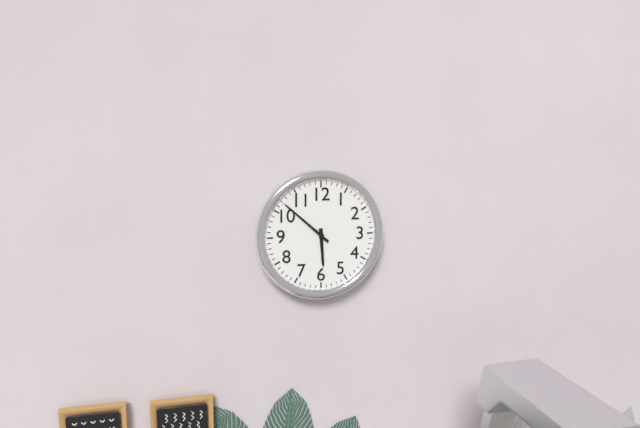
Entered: 5.52
